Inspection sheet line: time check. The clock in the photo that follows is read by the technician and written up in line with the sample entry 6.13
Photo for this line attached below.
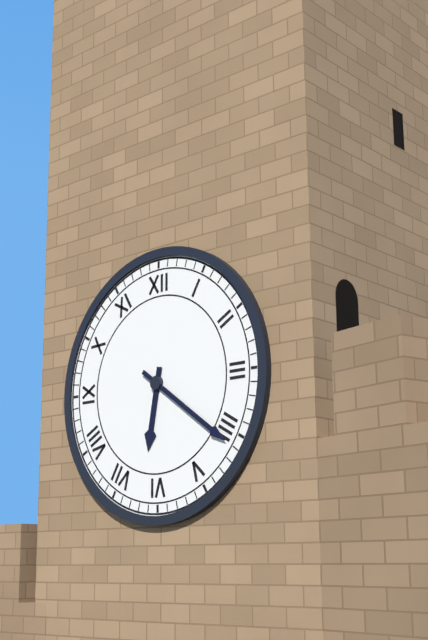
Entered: 6.21
